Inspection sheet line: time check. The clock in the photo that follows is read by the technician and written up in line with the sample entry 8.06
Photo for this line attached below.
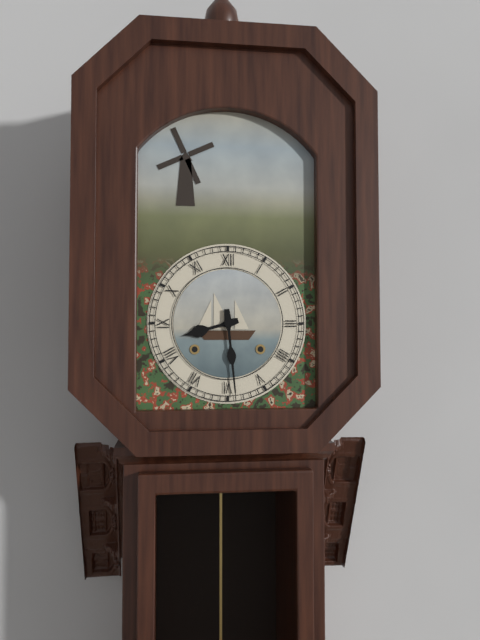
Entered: 8.29
